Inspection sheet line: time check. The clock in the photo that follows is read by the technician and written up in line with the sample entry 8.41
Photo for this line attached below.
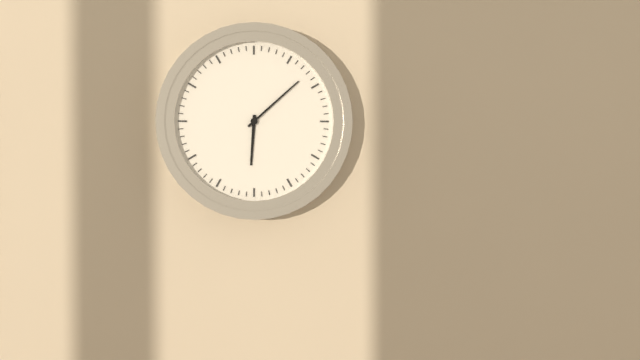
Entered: 6.08
